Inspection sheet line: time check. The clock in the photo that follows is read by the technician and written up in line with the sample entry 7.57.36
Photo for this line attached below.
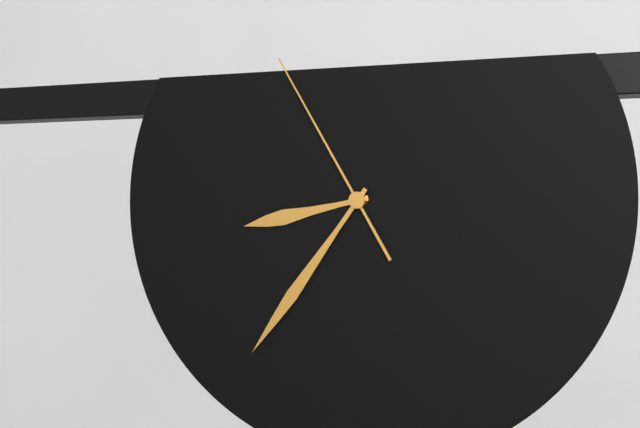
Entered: 8.36.55
